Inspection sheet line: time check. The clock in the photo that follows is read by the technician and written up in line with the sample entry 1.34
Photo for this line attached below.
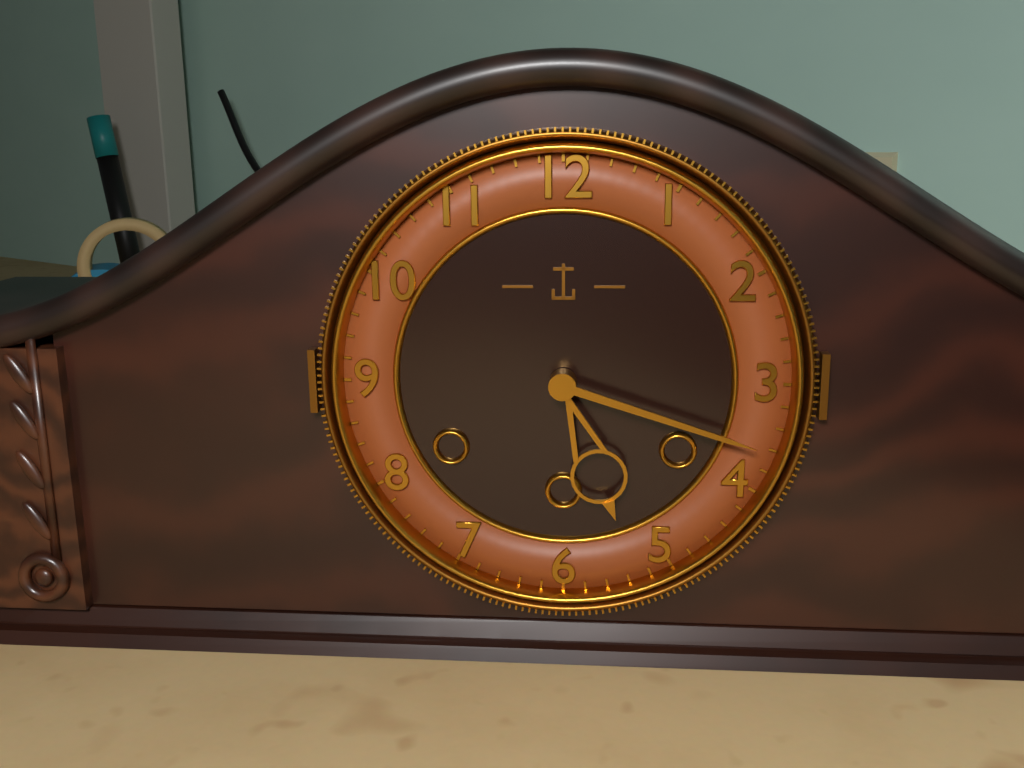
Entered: 5.18
